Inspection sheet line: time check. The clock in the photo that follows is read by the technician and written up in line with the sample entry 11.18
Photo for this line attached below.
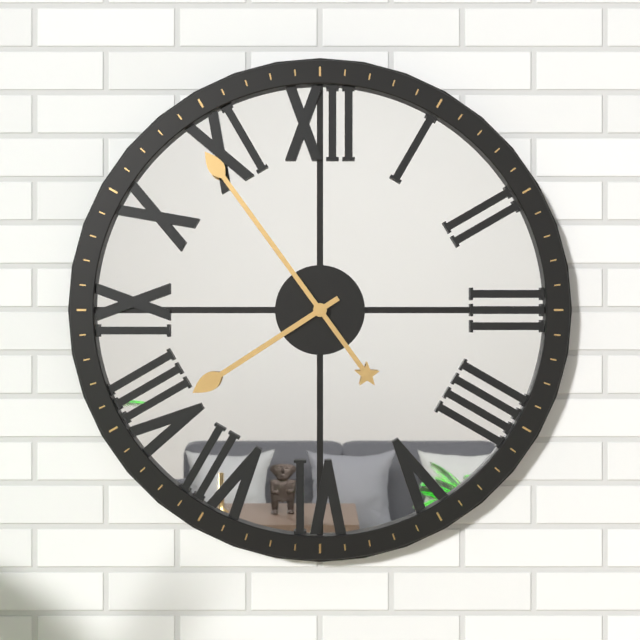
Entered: 7.54
